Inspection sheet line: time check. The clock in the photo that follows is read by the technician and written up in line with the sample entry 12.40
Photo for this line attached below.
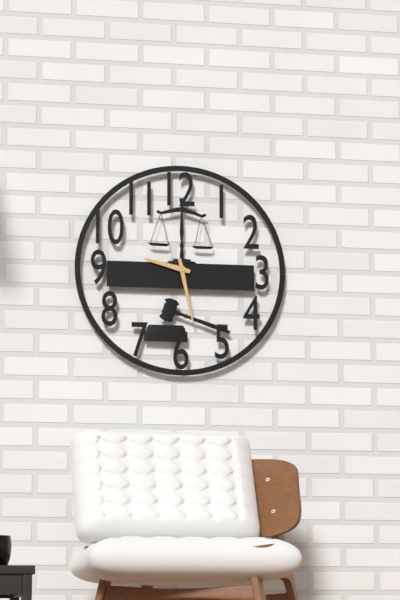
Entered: 9.28
